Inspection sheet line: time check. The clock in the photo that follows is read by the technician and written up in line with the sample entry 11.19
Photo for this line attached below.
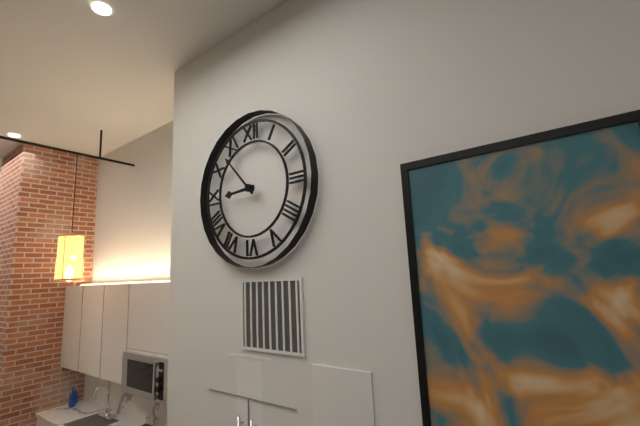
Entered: 8.53
